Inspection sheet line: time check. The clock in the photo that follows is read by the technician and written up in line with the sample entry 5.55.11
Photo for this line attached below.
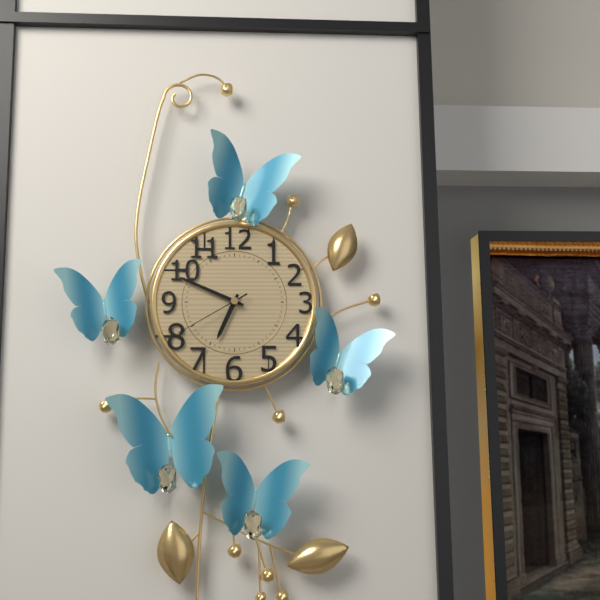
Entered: 6.49.40
